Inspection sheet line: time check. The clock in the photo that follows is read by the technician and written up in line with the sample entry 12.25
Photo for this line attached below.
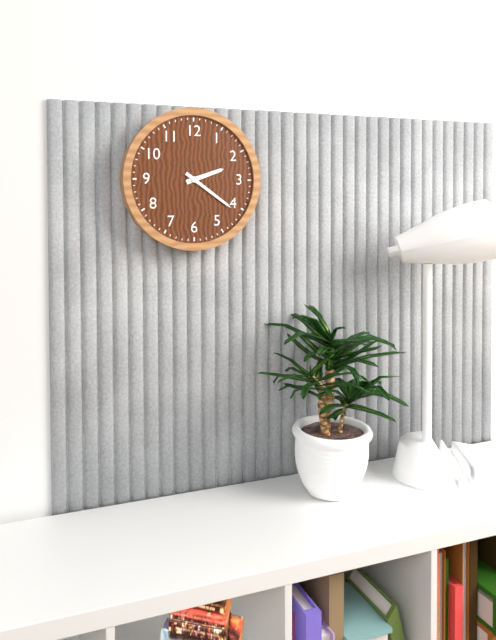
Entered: 2.21
